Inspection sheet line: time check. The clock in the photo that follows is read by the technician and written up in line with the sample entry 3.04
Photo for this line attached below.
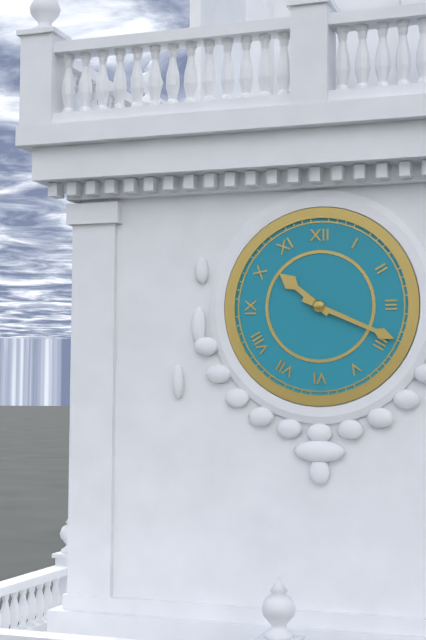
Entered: 10.19
